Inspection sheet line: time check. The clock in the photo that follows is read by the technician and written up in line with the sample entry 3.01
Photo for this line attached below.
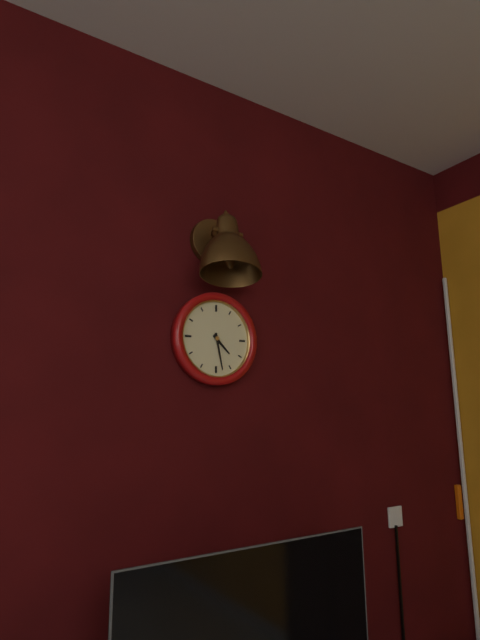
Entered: 4.28
